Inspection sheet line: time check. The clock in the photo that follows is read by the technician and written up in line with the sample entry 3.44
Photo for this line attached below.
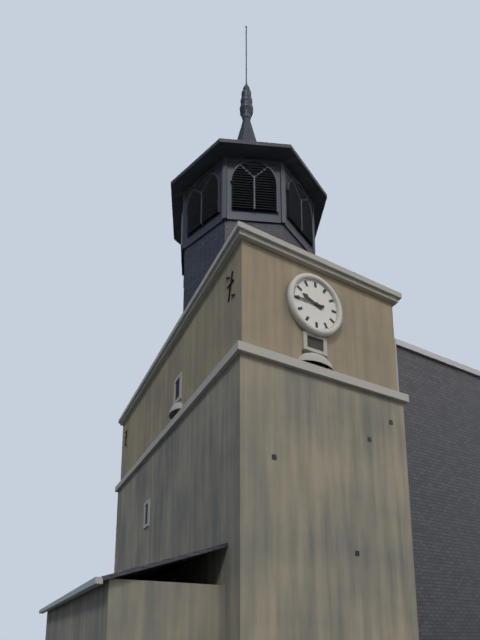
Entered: 9.45
